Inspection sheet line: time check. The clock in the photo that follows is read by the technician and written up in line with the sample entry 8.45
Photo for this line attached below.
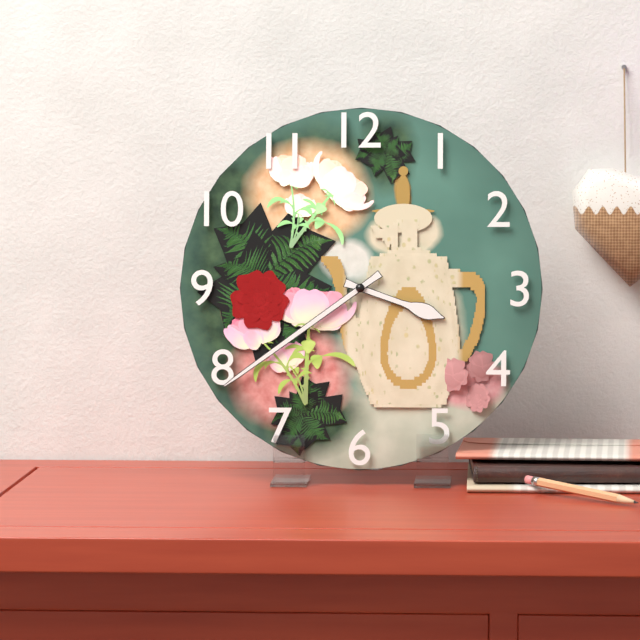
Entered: 3.39
